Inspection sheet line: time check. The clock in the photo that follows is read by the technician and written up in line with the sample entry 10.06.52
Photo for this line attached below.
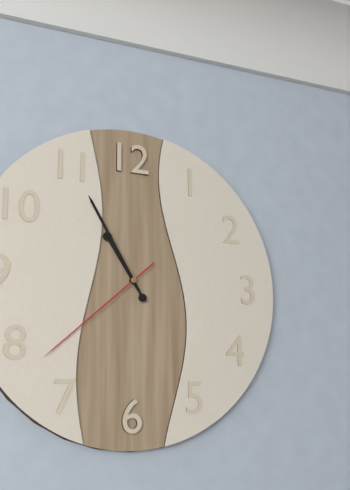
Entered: 10.55.38
